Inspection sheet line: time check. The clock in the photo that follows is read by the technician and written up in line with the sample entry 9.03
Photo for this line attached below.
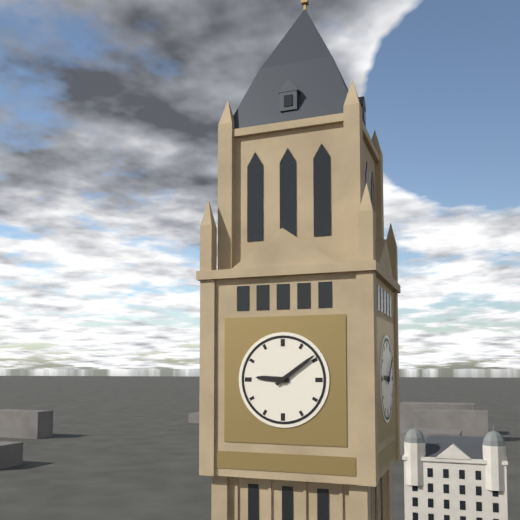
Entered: 9.09
